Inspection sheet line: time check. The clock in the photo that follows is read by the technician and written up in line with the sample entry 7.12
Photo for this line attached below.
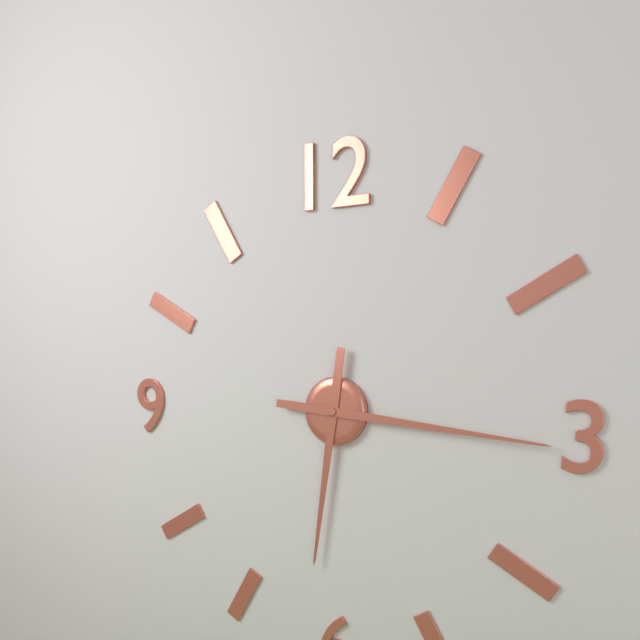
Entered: 6.16
